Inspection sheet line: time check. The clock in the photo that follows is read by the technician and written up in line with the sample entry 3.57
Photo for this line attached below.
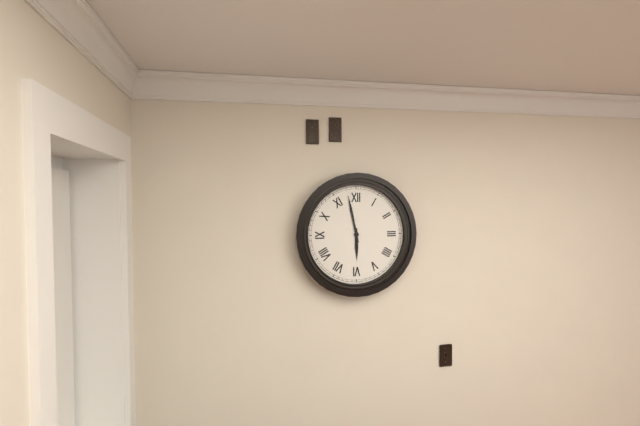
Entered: 5.58
